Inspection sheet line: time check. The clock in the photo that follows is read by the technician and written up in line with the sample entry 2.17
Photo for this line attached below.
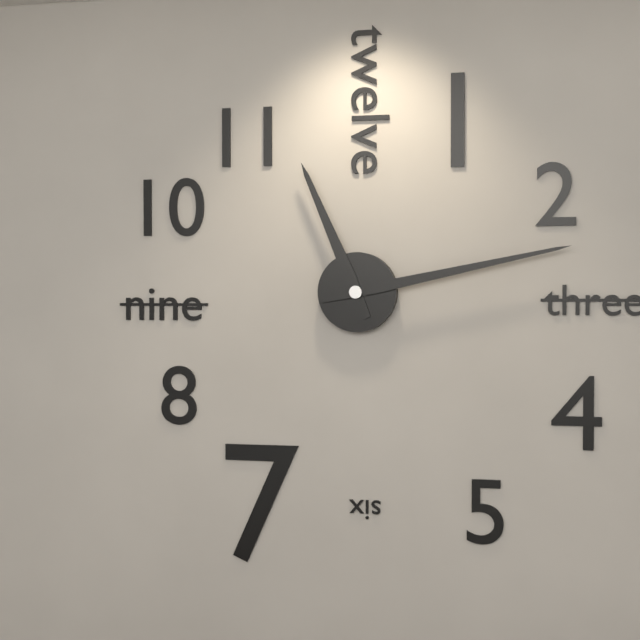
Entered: 11.13
